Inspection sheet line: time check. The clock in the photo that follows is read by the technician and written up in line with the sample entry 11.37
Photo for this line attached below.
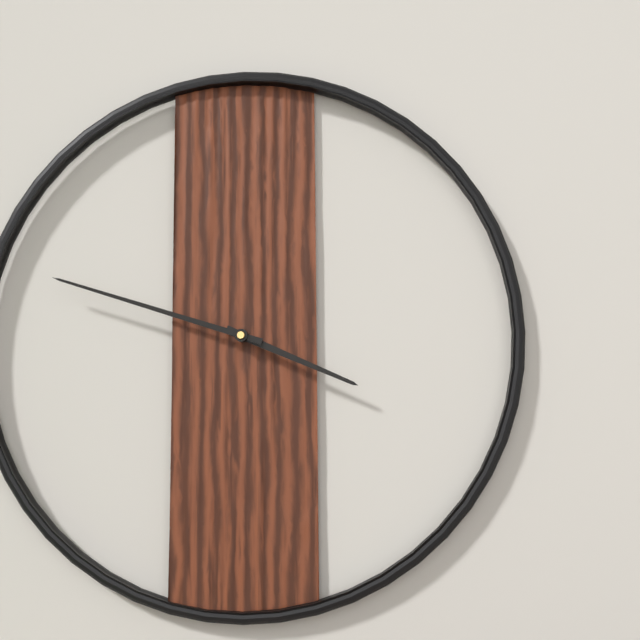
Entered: 3.48
